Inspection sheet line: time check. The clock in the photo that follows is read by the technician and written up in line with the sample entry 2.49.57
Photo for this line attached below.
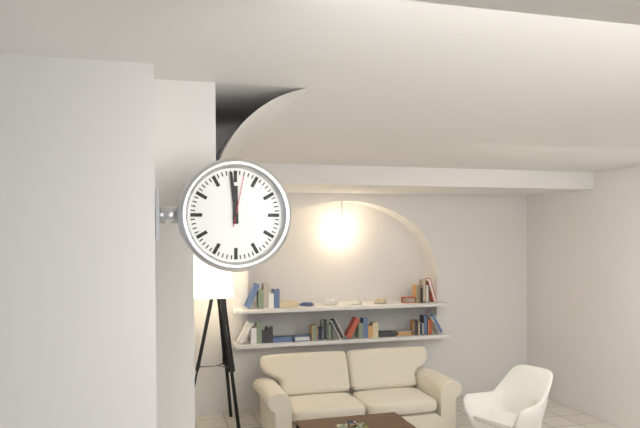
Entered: 11.59.02
